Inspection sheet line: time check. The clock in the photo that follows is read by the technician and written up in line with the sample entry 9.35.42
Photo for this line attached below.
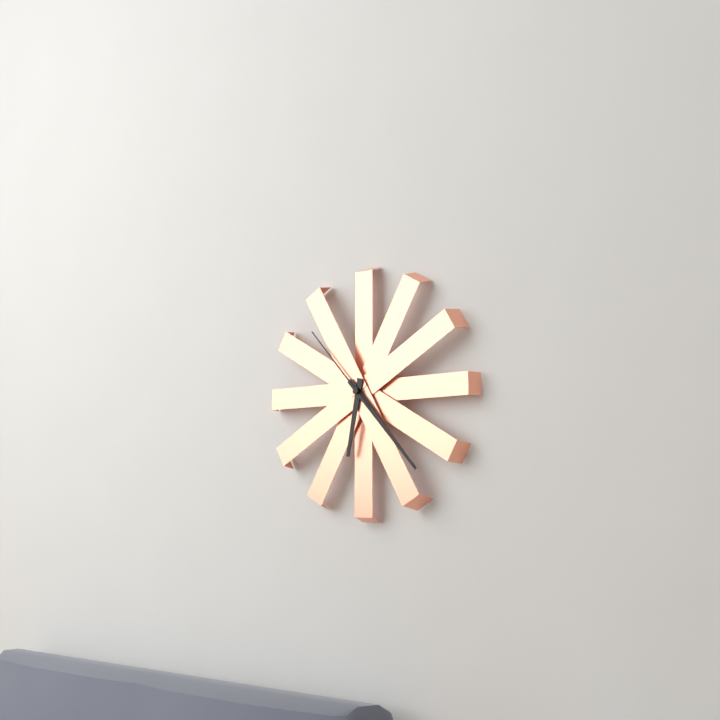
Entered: 6.23.53
